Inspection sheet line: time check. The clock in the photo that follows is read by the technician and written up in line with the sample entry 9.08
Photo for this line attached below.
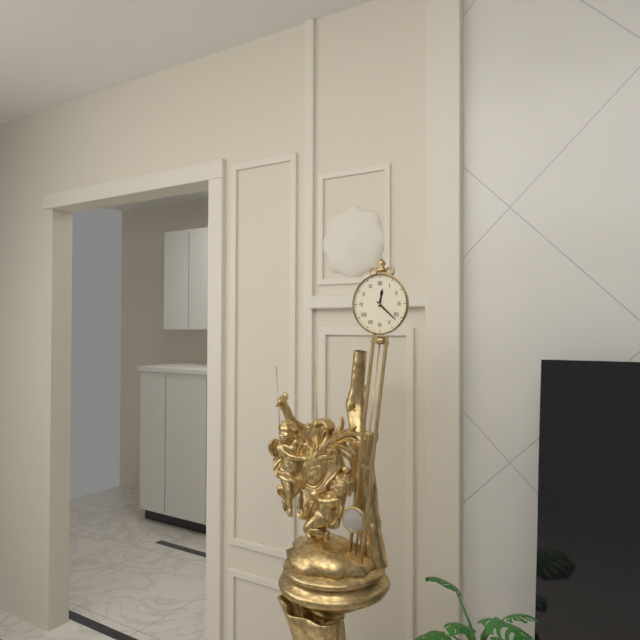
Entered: 12.22
